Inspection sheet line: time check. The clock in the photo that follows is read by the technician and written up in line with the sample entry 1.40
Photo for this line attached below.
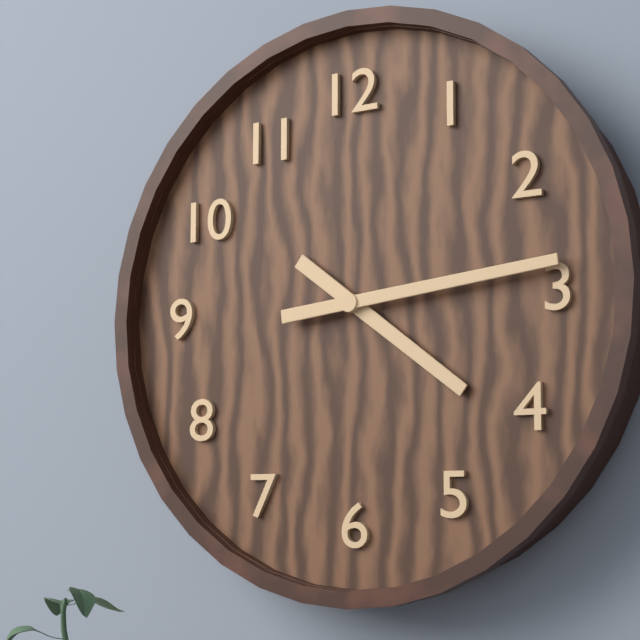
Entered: 4.14
